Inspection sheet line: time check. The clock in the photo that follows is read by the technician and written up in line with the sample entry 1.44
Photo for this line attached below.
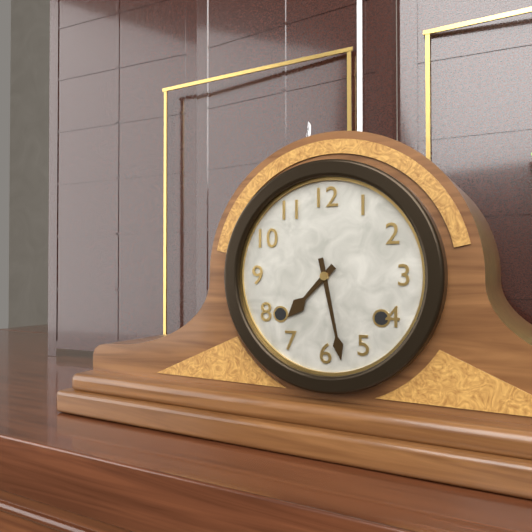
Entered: 7.28
